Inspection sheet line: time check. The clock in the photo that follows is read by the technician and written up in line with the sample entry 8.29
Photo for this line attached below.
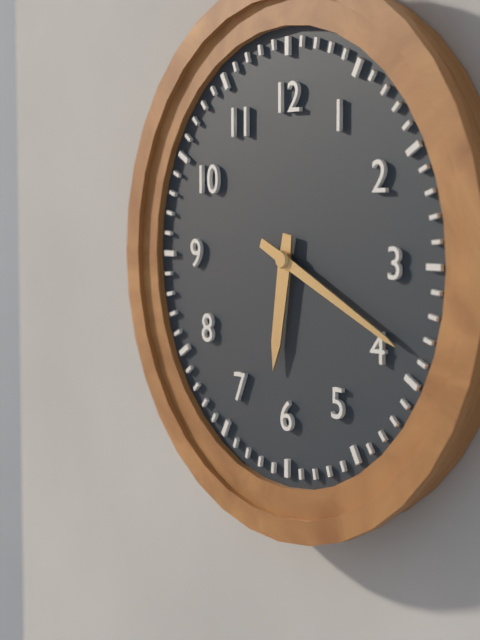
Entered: 6.19
